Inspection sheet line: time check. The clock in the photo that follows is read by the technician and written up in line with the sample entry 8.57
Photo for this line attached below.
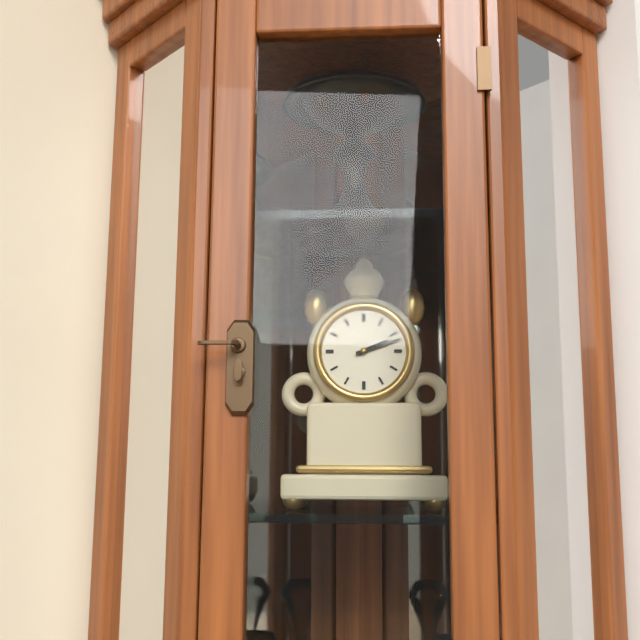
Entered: 2.12
